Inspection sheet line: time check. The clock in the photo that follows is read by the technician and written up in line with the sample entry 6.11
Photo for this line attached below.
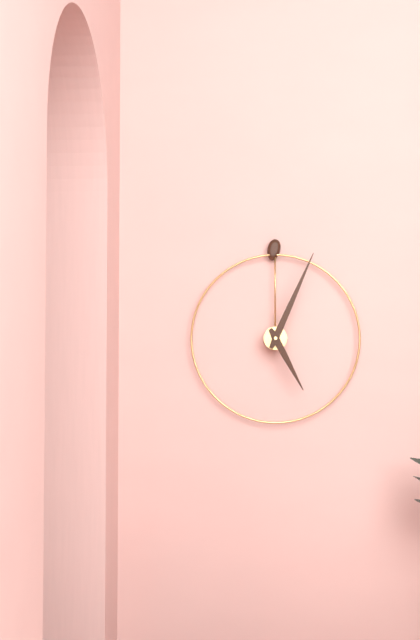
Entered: 5.04
